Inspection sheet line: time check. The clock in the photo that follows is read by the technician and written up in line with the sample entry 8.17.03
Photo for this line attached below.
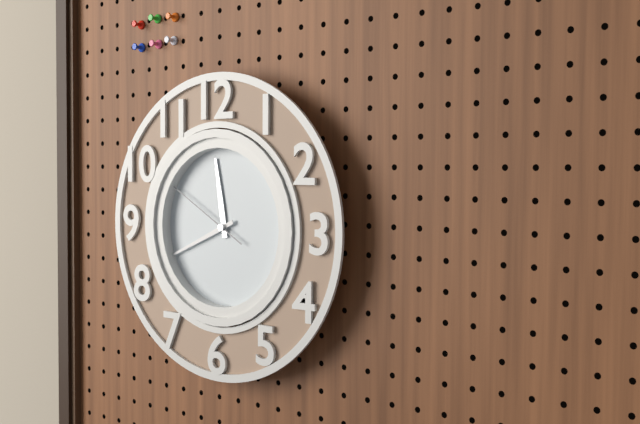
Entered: 11.41.50
